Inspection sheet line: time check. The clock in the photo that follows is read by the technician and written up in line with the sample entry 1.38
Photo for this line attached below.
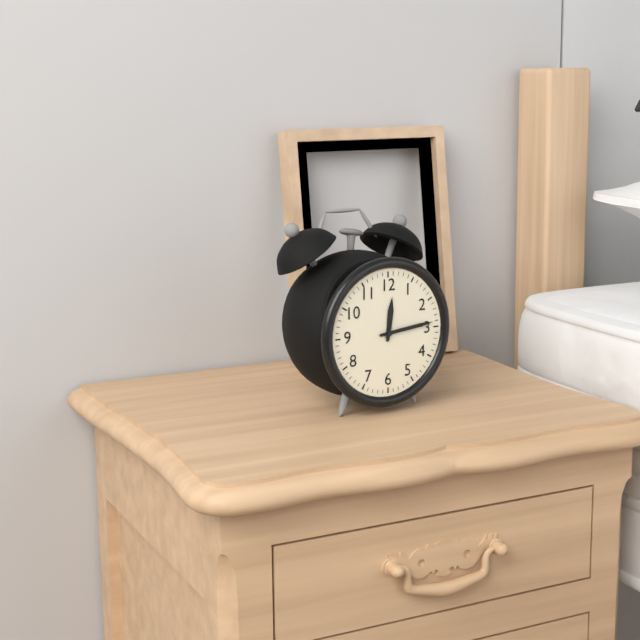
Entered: 12.14
